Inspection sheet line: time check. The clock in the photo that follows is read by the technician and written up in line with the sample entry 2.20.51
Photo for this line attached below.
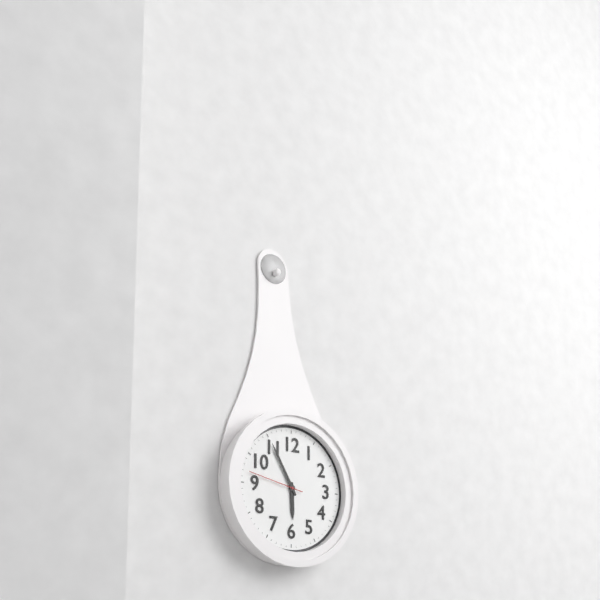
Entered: 5.55.47
